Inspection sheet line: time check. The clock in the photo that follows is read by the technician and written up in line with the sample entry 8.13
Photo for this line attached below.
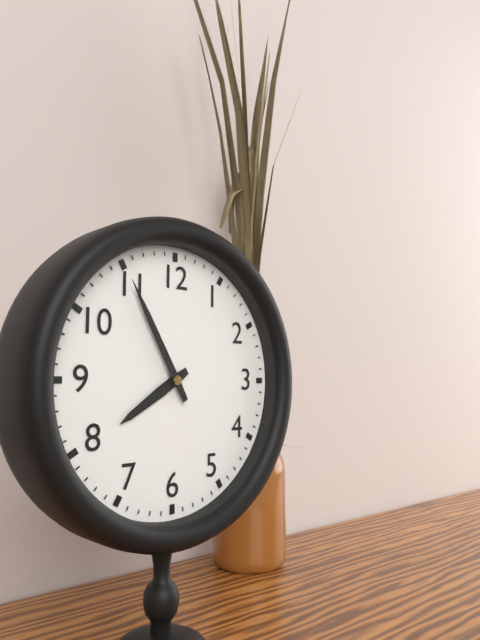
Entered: 7.55
